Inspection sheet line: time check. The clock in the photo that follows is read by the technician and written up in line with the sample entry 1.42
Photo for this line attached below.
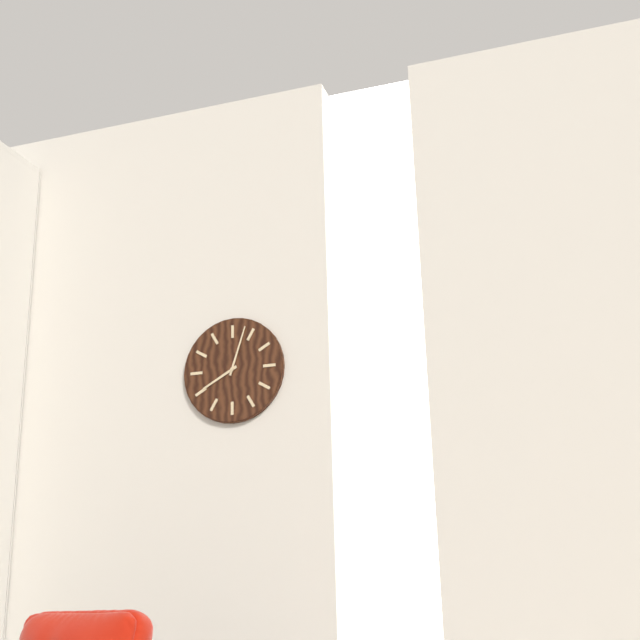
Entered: 8.03
